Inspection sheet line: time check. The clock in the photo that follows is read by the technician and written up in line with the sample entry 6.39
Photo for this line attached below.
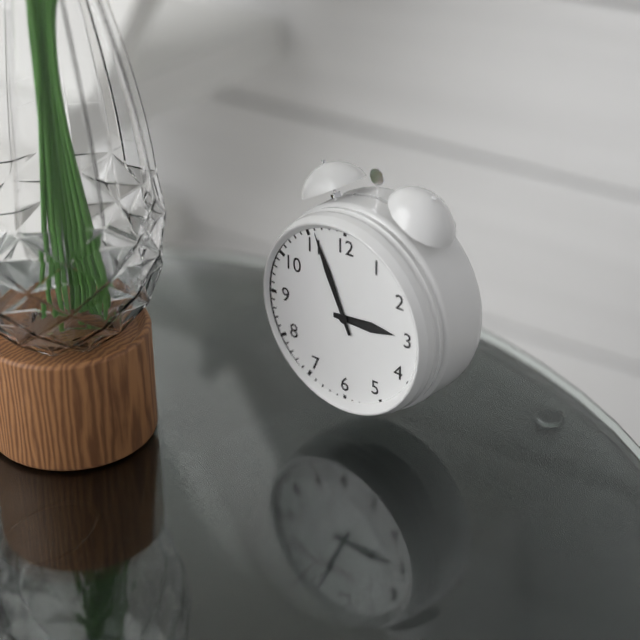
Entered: 2.56
